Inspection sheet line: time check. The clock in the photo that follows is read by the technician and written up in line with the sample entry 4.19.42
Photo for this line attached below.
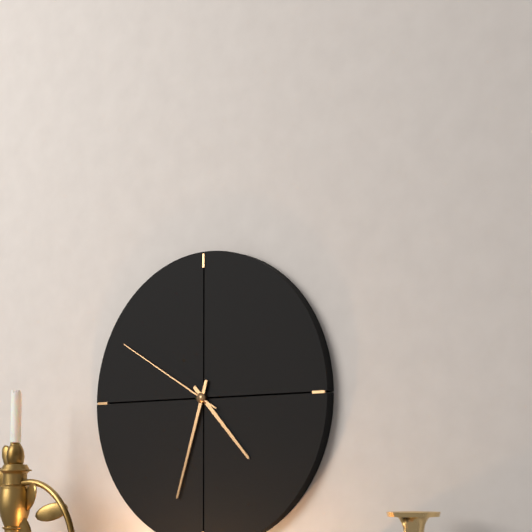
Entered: 4.33.50
